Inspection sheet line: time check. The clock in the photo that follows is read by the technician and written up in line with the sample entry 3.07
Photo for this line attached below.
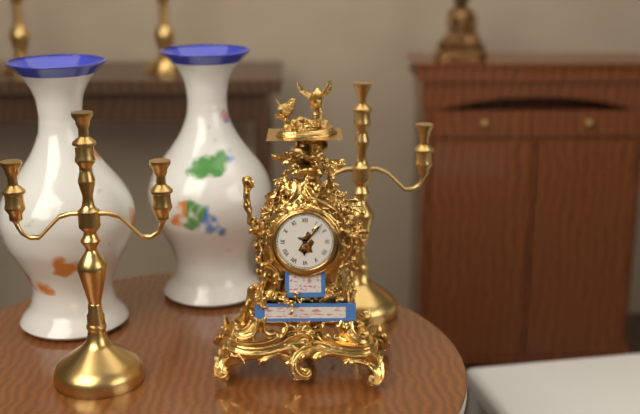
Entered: 6.07
